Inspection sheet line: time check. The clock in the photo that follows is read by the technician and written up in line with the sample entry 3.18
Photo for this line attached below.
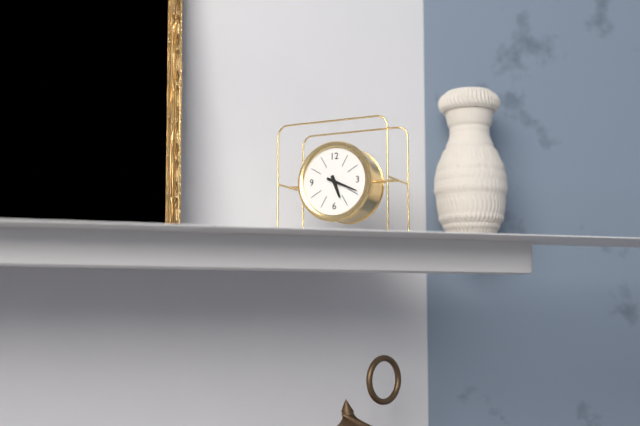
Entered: 5.19
